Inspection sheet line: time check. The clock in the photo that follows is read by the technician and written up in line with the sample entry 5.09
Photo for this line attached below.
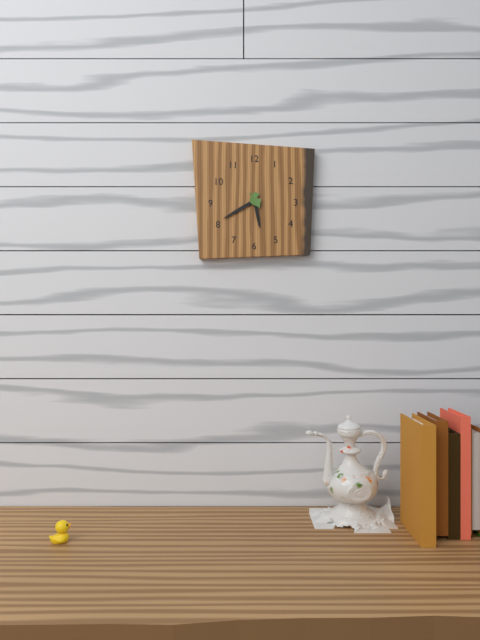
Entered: 5.40
